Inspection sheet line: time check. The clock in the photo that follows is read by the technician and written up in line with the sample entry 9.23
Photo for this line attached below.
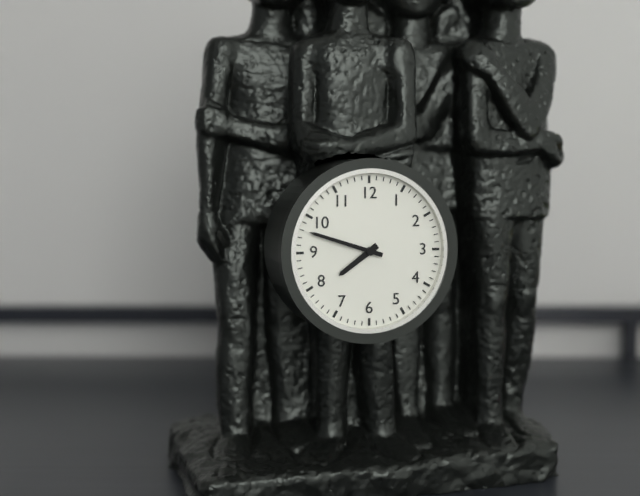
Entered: 7.48
